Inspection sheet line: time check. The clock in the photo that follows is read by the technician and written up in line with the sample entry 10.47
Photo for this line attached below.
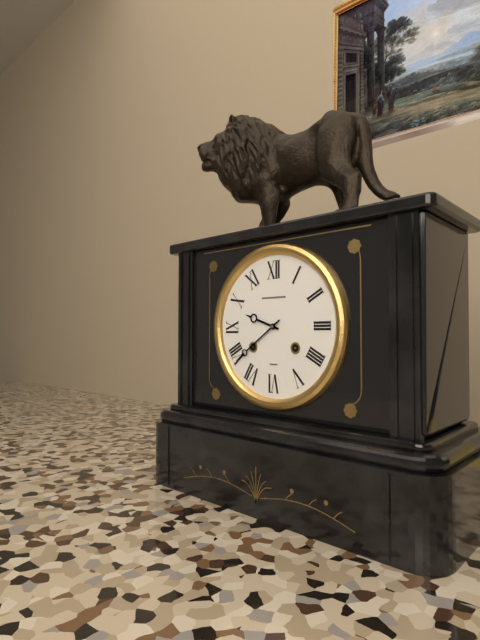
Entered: 9.39
